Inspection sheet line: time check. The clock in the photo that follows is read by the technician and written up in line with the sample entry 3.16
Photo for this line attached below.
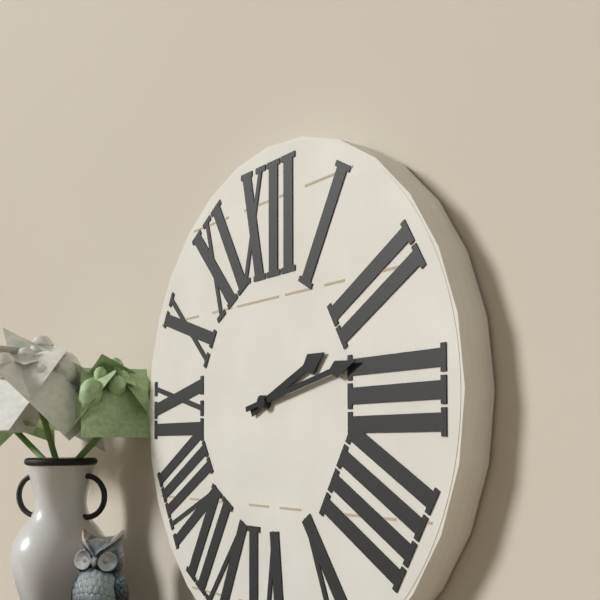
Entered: 2.13
